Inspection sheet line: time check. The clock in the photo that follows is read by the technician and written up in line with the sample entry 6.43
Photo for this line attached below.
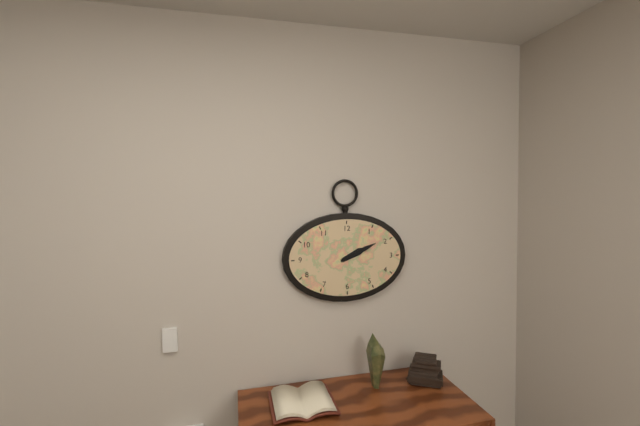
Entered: 2.11
